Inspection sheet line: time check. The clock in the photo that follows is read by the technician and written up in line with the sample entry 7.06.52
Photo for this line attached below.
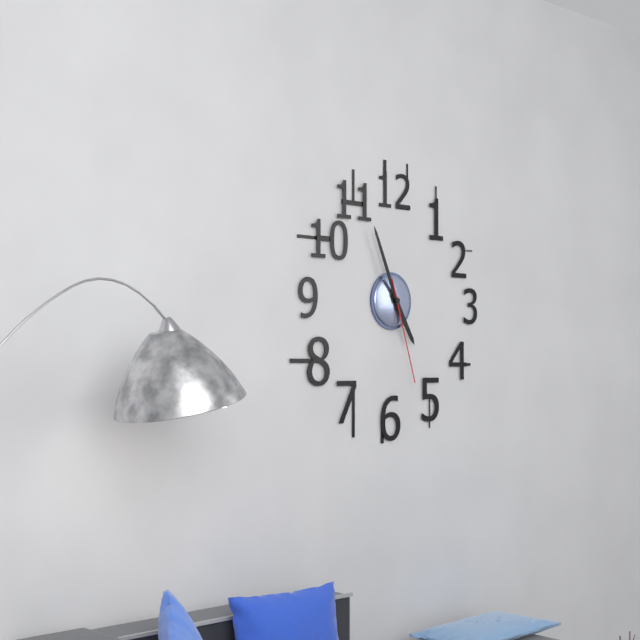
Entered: 4.56.27
